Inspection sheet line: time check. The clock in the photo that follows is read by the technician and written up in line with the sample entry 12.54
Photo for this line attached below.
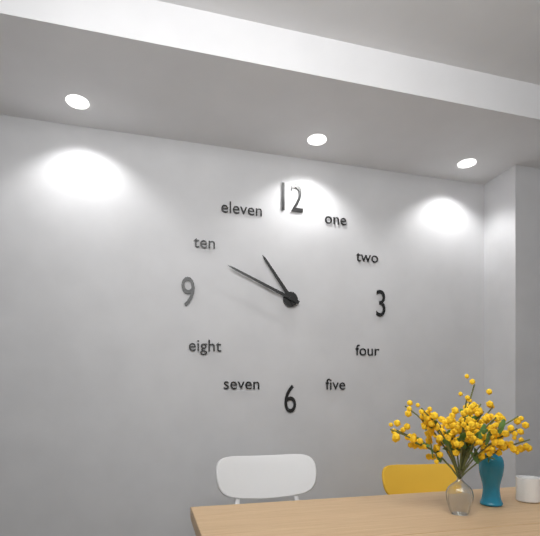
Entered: 10.49
